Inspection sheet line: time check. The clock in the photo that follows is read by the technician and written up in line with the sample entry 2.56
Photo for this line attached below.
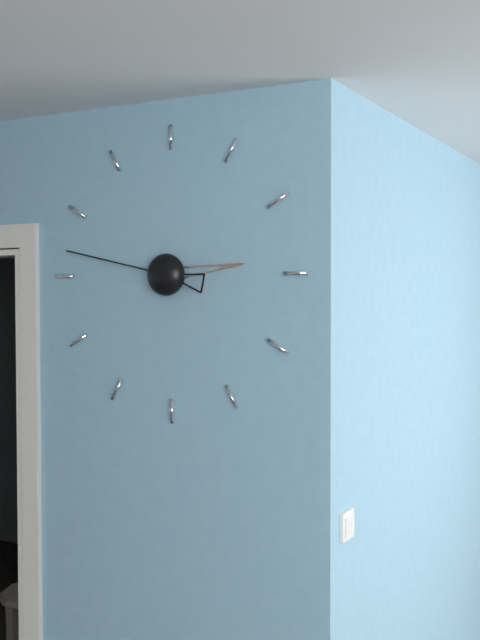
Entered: 2.47
